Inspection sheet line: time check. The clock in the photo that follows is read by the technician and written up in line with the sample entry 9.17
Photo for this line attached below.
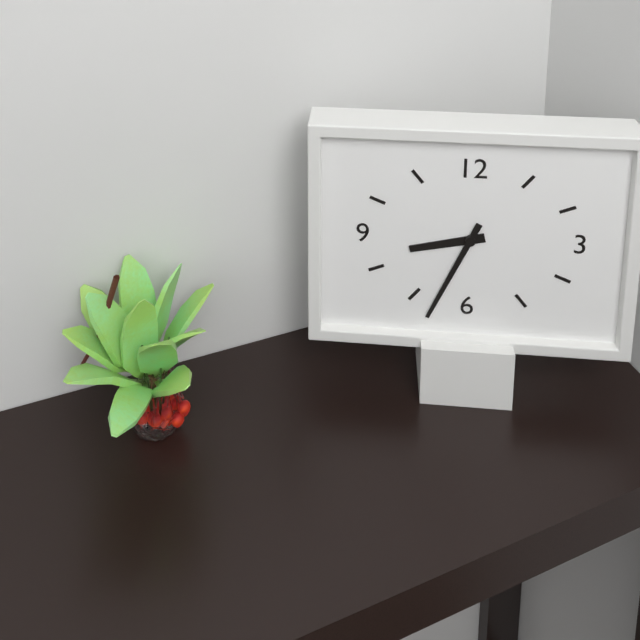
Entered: 8.34
